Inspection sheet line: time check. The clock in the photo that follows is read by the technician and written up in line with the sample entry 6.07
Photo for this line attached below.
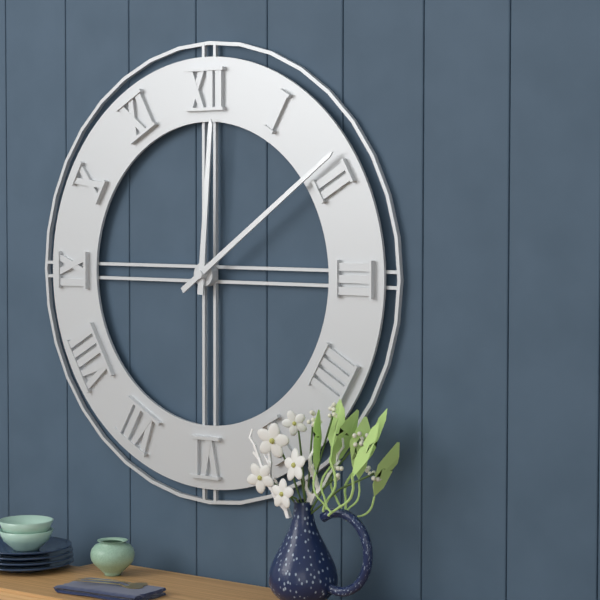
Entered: 12.09
